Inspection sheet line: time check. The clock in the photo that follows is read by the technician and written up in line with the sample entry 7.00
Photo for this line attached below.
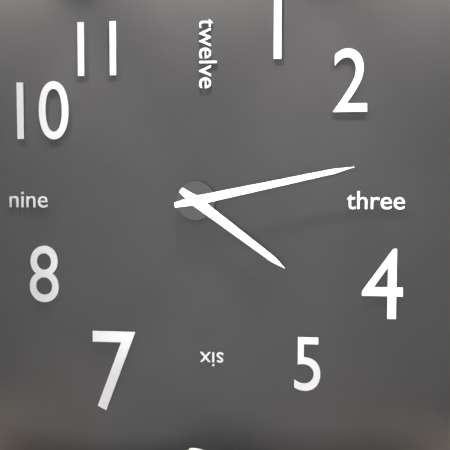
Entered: 4.13
